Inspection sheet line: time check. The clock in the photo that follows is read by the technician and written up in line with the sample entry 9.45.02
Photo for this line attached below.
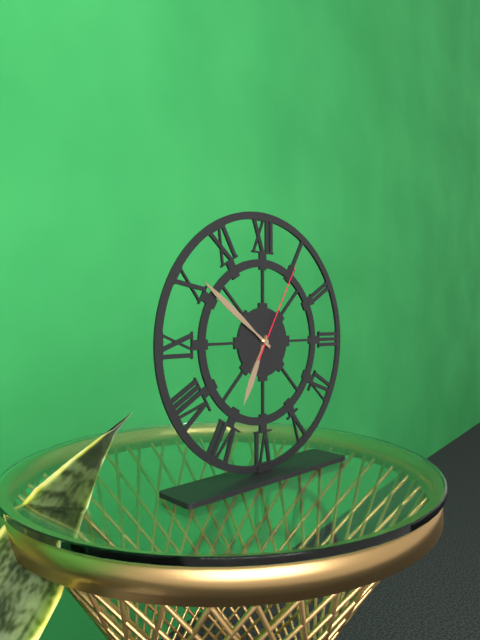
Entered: 6.51.05
